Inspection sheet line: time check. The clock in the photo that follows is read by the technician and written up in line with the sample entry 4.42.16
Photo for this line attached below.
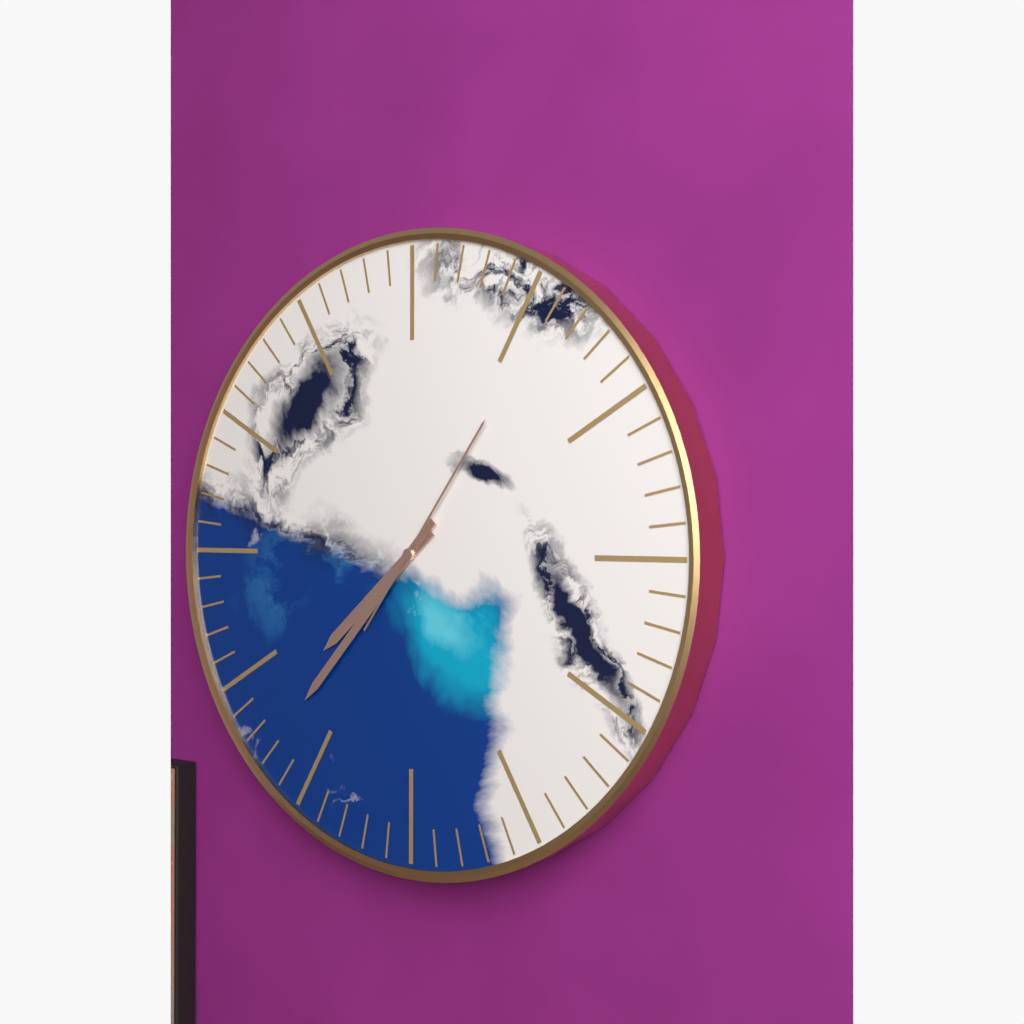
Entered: 7.37.06
